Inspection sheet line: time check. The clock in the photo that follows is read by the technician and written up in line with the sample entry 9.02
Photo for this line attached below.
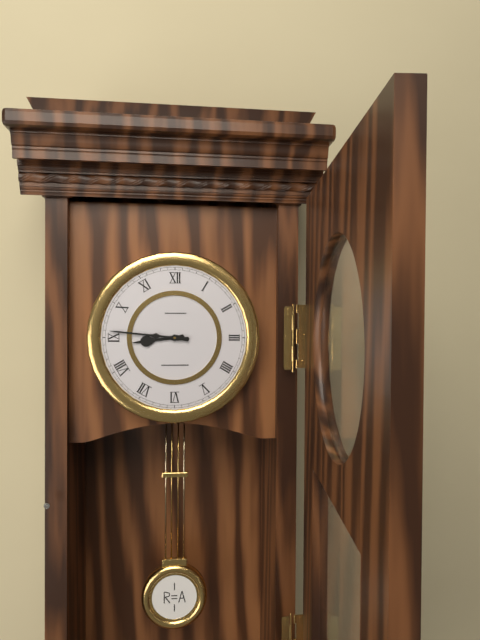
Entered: 8.46
